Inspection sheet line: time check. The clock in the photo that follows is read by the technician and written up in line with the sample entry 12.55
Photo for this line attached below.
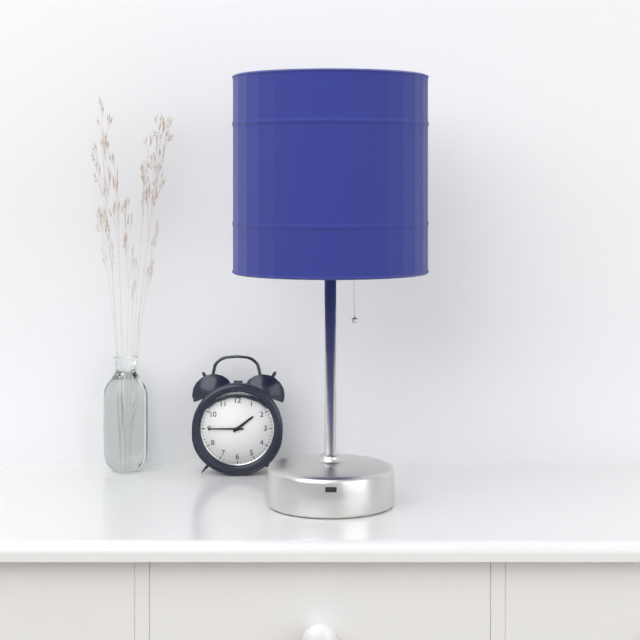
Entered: 1.45
